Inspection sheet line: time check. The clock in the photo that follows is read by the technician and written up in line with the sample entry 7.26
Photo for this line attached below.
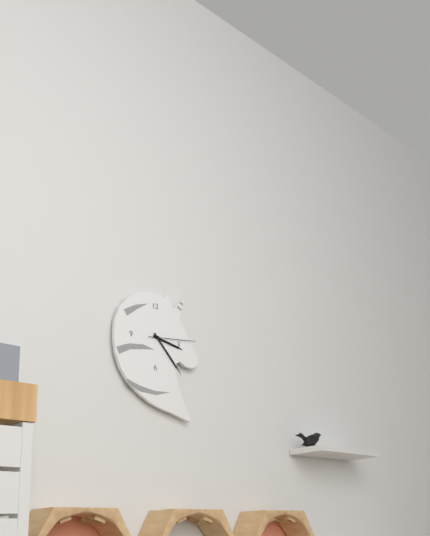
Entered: 3.23
